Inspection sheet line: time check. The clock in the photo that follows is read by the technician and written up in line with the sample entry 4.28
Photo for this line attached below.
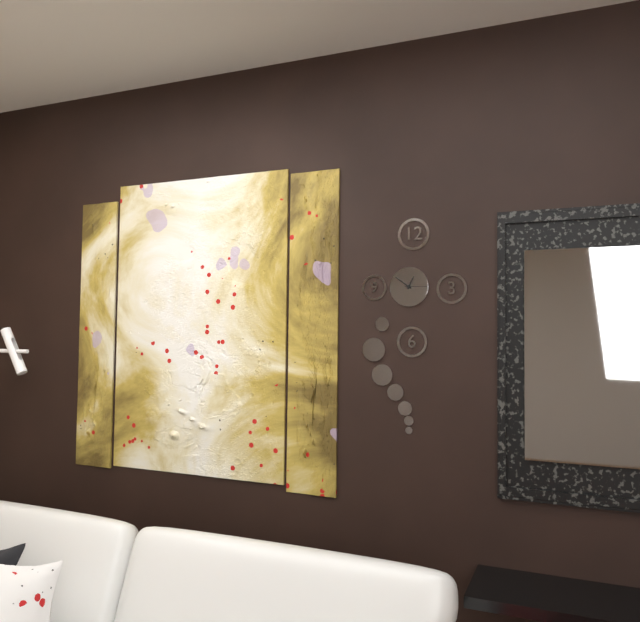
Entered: 12.51
